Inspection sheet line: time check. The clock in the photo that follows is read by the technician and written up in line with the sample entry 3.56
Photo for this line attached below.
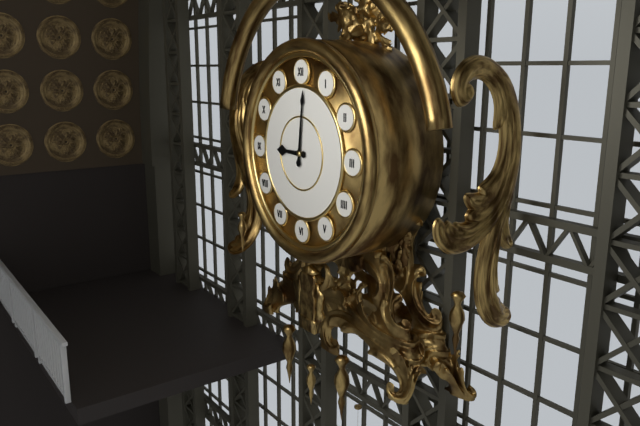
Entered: 9.01
